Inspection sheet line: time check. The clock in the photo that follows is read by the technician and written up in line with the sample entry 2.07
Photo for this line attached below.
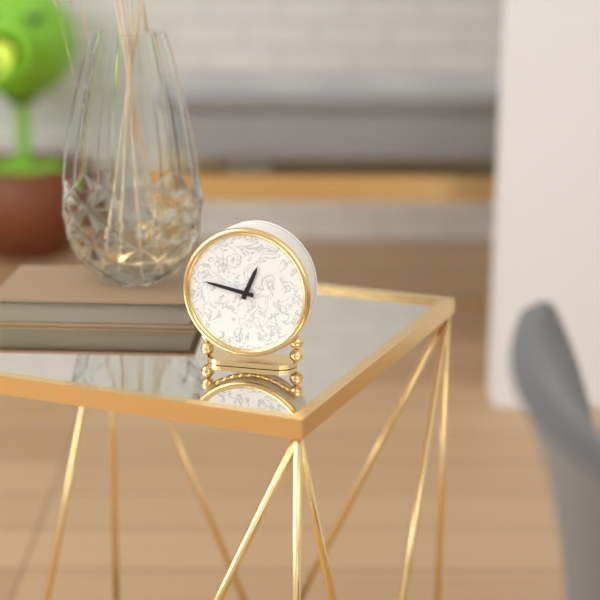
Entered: 12.47
